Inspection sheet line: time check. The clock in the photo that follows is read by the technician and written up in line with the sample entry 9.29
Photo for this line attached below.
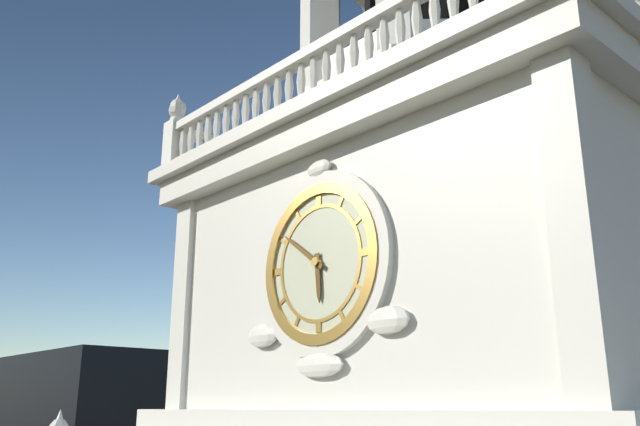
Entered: 5.51
